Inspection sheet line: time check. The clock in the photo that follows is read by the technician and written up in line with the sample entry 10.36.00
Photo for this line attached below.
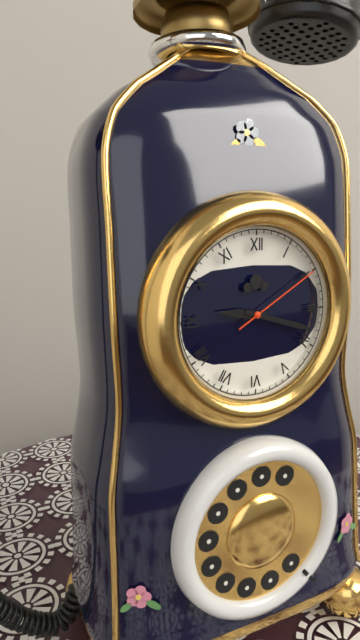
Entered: 9.18.10
